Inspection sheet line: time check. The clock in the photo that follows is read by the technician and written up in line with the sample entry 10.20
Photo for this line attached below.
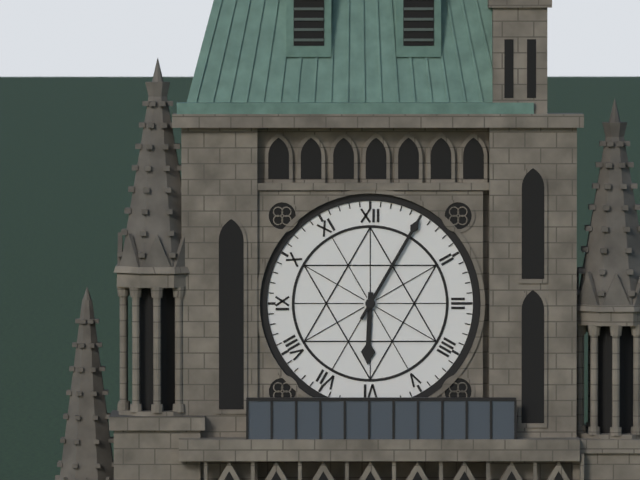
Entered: 6.05
